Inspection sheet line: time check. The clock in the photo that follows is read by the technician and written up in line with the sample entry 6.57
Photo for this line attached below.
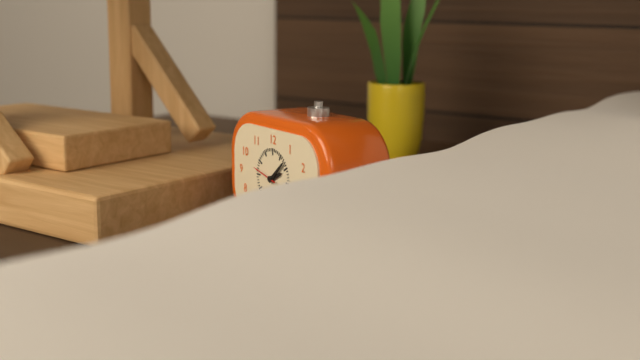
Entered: 2.08
